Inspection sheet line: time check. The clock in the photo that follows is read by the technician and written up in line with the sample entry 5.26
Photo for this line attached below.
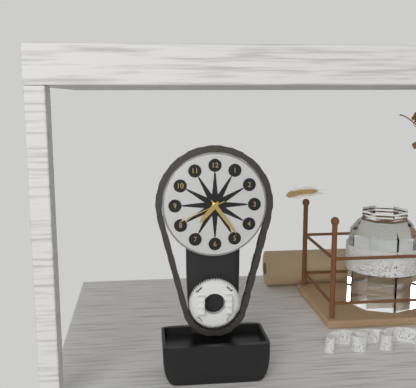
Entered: 7.24
